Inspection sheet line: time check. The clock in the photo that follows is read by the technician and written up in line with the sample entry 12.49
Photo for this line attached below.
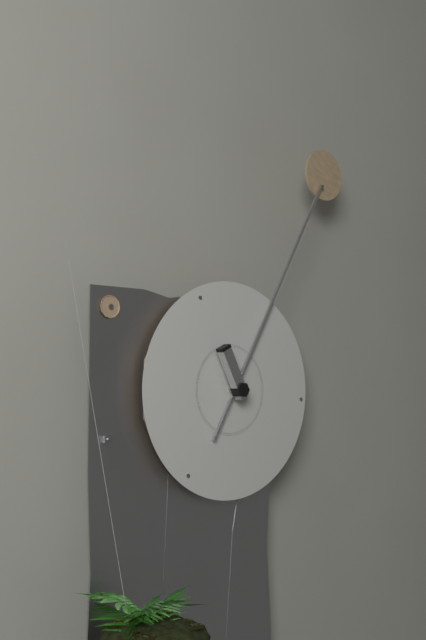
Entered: 11.05
